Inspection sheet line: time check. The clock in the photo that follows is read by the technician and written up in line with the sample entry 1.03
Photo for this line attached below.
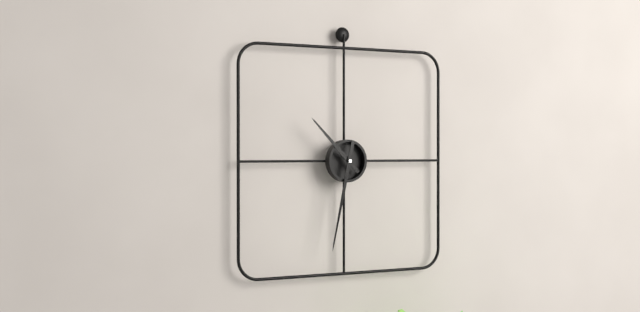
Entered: 10.32
